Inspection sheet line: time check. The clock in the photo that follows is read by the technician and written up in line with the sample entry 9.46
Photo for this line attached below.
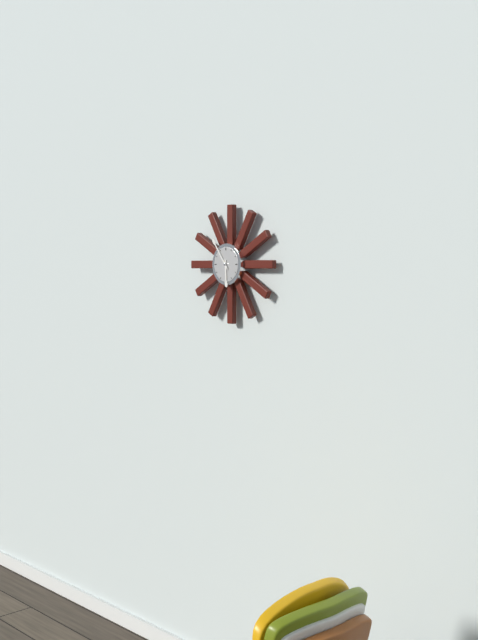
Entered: 5.54
